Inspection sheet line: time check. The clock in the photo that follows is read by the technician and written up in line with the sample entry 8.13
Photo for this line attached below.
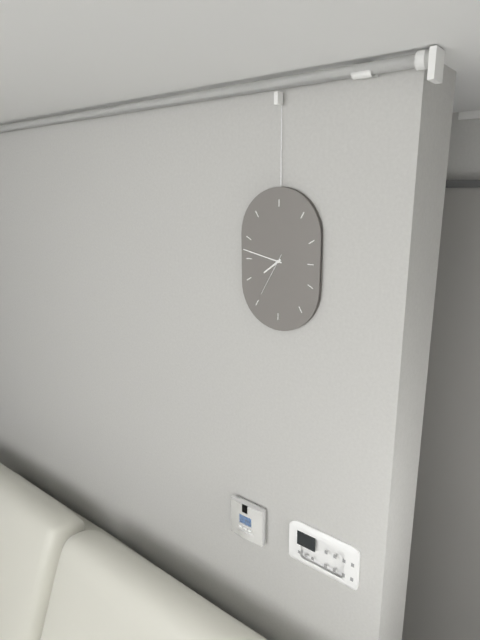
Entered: 7.47
